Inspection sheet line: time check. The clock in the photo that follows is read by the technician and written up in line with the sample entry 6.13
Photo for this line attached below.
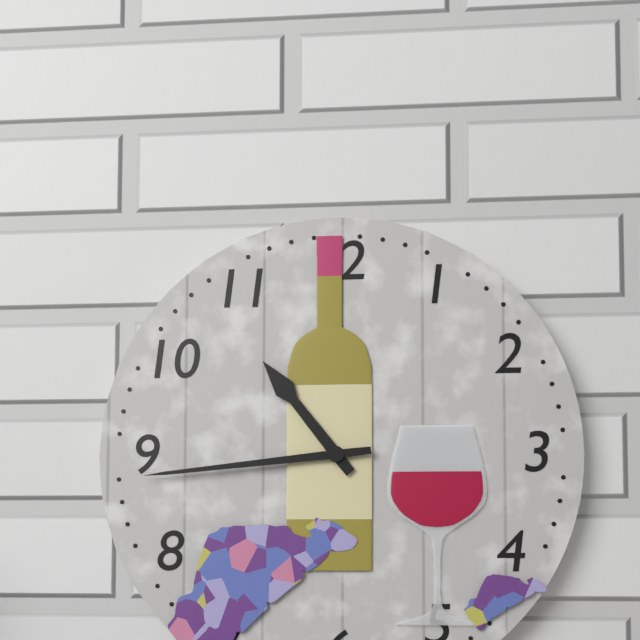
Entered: 10.44
